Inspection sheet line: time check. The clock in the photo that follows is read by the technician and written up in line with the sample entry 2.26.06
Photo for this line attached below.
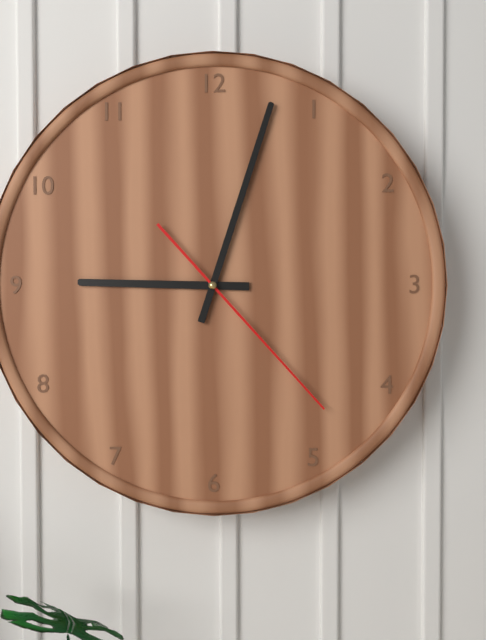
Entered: 9.03.23
